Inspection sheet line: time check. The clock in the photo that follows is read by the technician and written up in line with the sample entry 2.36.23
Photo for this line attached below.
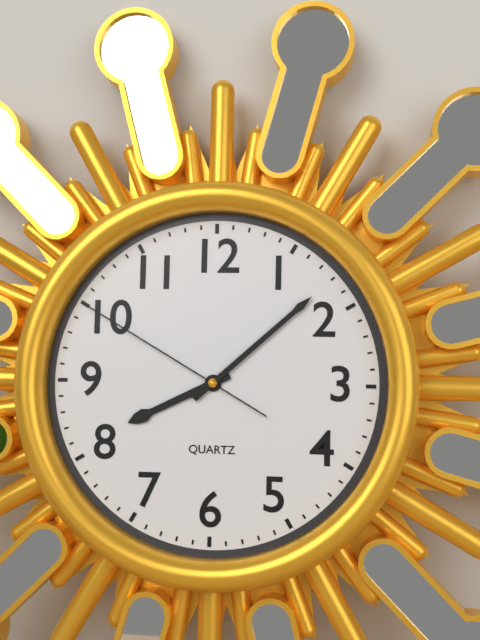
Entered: 8.08.50
